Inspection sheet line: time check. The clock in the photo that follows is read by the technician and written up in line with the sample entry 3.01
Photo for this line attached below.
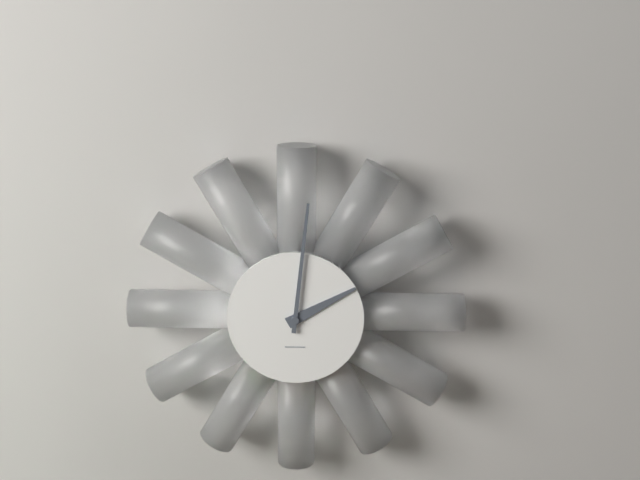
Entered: 2.01
